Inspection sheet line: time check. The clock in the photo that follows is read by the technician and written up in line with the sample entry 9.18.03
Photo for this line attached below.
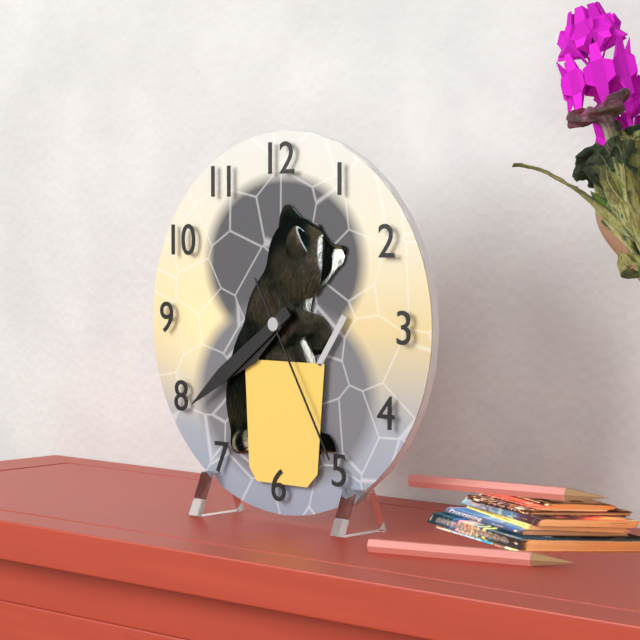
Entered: 7.39.25
